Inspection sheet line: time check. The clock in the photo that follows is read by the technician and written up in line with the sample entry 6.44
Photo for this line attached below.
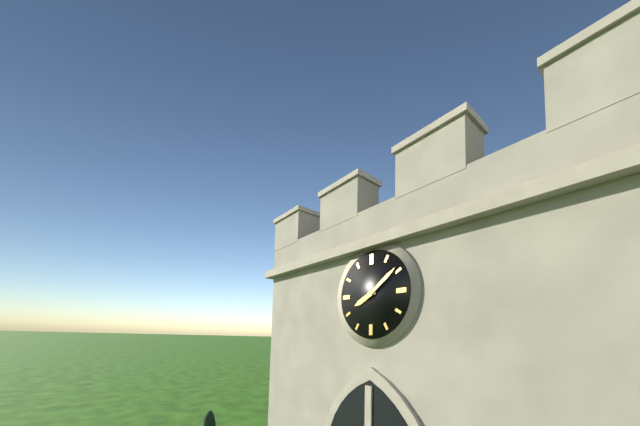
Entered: 8.09
